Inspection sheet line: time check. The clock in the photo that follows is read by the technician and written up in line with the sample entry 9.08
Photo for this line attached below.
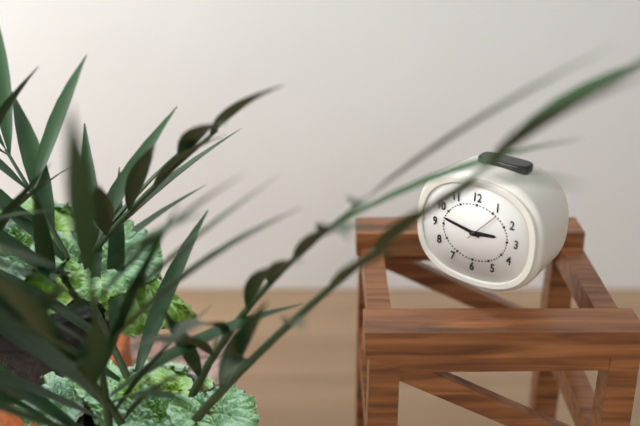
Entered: 2.47
